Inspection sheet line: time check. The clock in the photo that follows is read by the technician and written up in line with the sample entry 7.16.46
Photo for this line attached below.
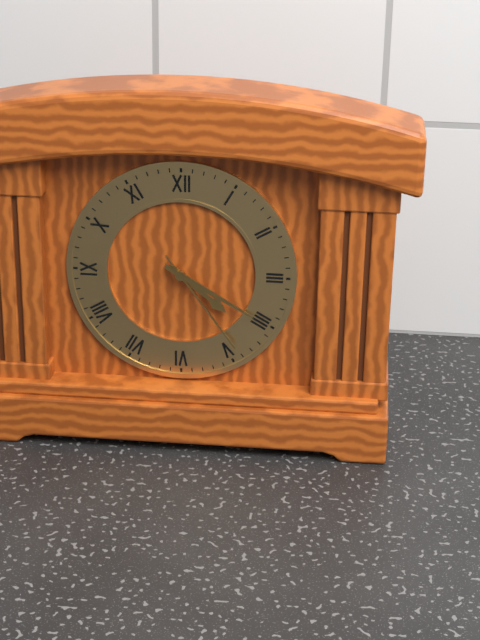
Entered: 4.20.24
